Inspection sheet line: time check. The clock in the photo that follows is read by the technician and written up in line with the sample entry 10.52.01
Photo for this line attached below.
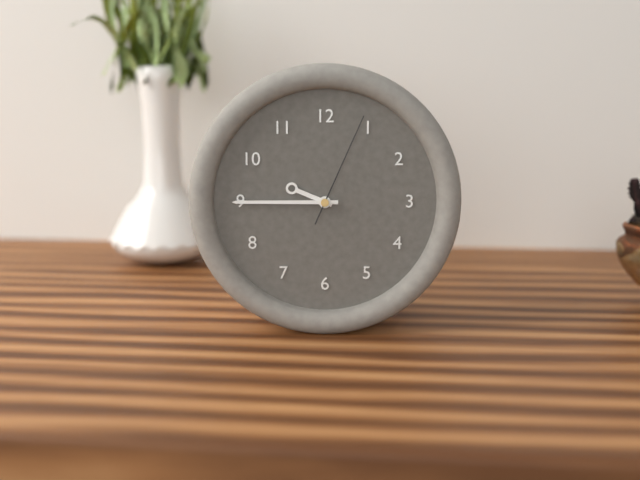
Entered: 9.45.04
